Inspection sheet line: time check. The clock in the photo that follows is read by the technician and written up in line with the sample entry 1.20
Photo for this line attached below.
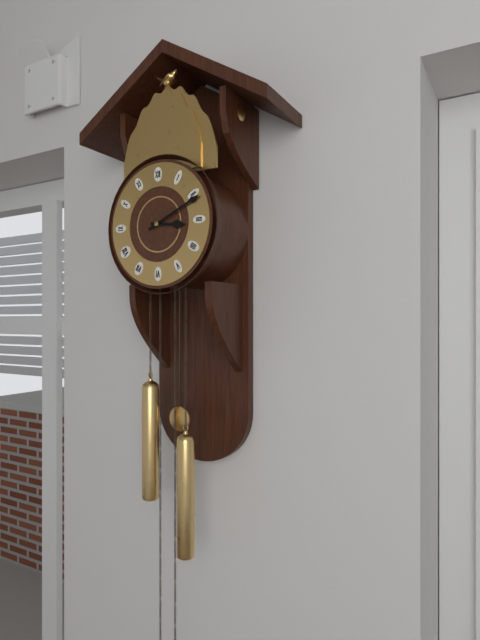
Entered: 3.11
